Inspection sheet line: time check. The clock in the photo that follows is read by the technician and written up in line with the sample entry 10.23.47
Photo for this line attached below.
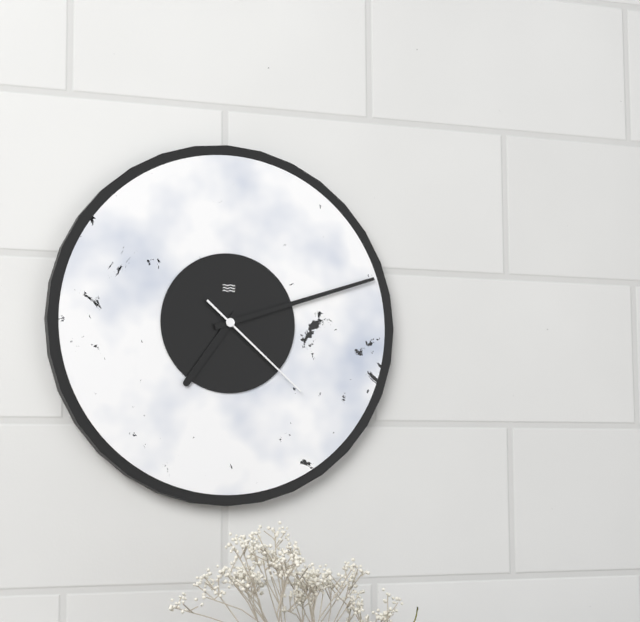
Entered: 7.12.22
